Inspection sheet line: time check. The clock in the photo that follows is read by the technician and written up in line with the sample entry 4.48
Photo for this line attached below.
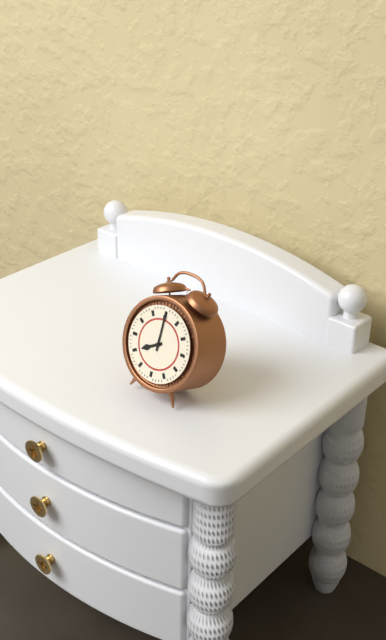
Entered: 8.00
